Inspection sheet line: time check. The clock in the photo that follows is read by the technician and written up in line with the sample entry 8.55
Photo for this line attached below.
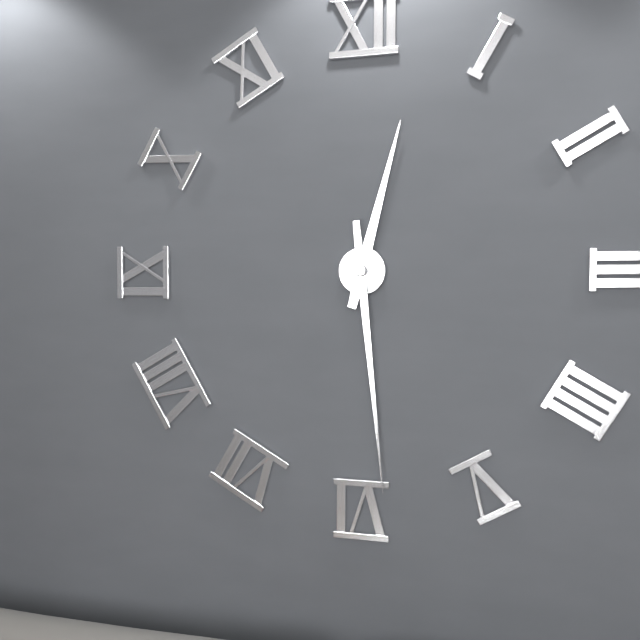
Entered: 12.29
